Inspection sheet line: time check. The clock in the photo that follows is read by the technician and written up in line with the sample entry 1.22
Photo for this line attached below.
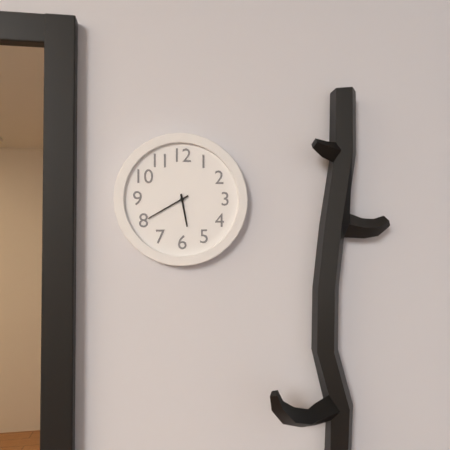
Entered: 5.40
